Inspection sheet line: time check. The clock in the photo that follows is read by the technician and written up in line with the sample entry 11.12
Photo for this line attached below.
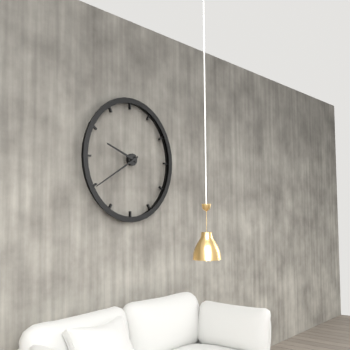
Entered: 9.40
